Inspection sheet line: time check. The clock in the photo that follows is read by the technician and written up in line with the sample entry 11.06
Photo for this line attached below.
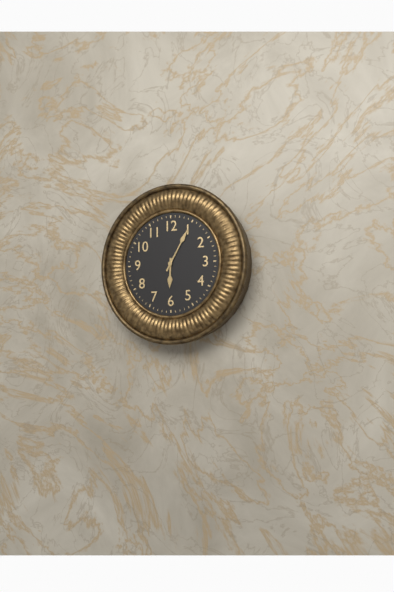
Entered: 6.05
